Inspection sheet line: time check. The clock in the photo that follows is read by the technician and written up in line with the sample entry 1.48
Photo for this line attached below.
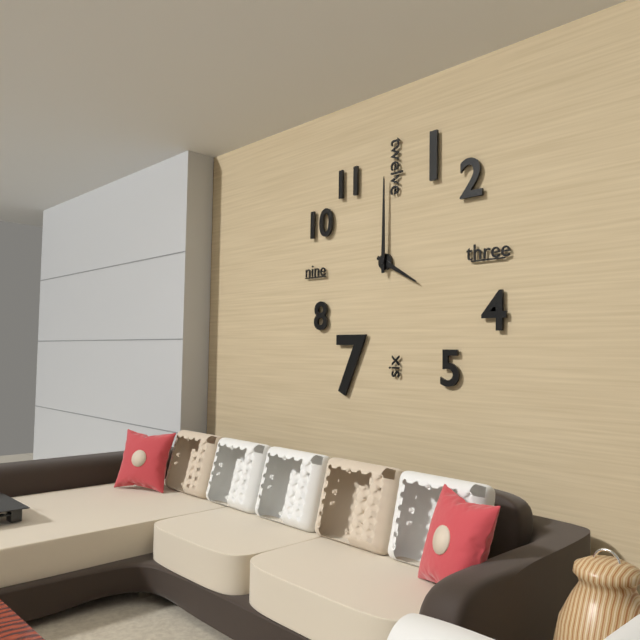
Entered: 4.00
